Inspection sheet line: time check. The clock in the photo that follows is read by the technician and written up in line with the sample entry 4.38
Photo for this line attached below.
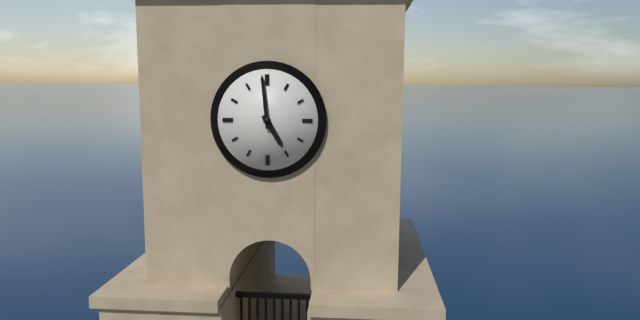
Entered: 4.59
